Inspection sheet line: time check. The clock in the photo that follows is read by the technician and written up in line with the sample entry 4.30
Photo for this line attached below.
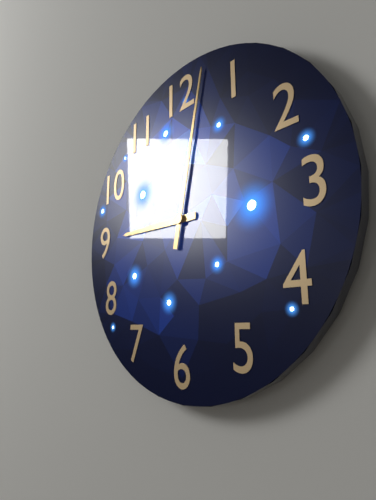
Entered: 9.02
